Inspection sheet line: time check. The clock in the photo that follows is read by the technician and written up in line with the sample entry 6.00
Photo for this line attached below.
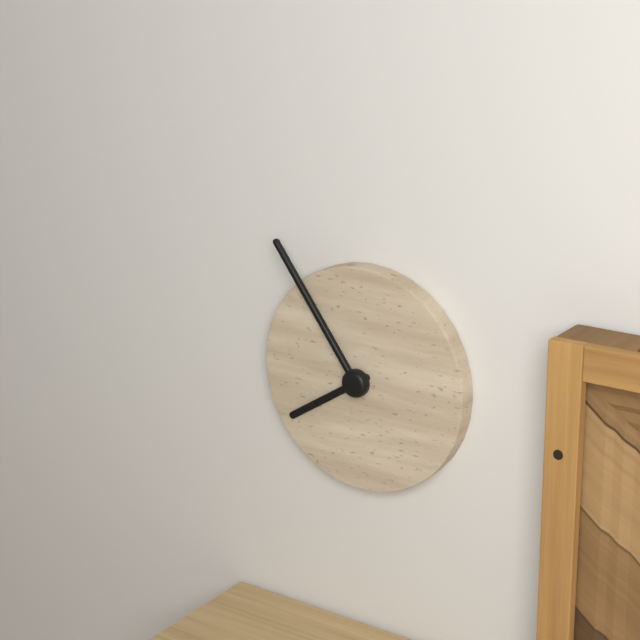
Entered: 7.54
